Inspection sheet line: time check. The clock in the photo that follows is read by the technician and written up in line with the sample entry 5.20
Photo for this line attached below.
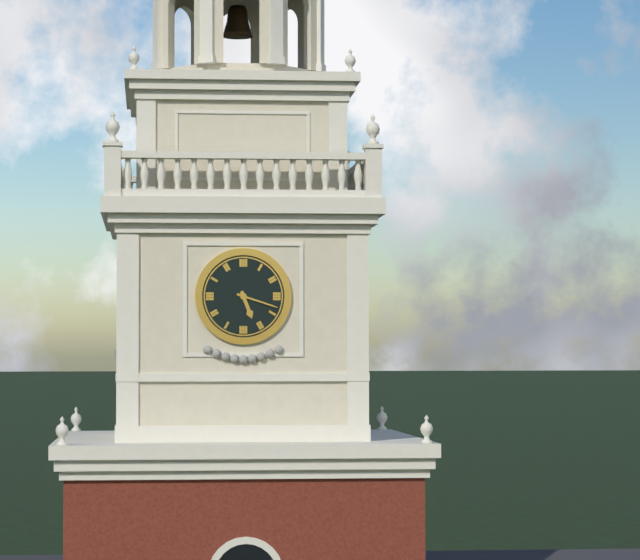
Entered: 5.18
